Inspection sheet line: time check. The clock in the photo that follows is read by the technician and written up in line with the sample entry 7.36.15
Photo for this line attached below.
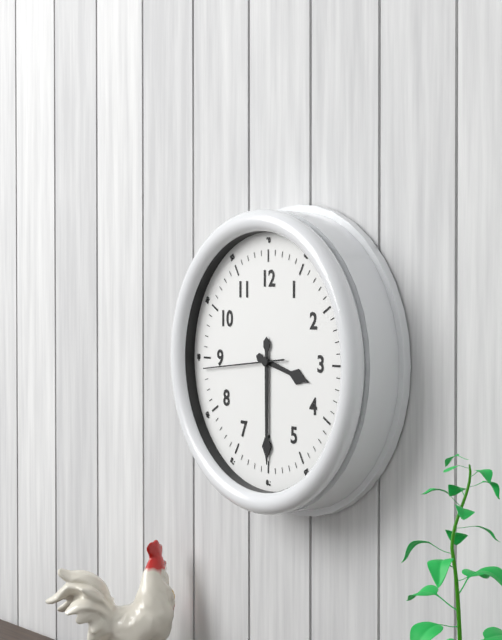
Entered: 3.30.44
